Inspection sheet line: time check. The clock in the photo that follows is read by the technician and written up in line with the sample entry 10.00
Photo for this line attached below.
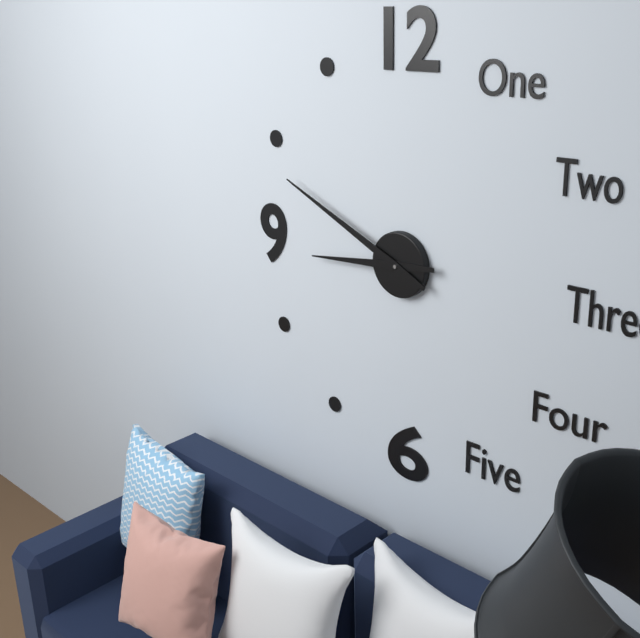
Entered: 8.49
